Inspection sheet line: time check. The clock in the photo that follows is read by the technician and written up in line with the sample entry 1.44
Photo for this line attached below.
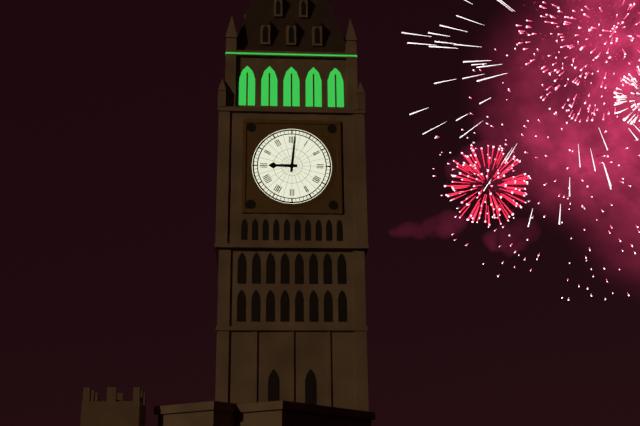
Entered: 9.01
